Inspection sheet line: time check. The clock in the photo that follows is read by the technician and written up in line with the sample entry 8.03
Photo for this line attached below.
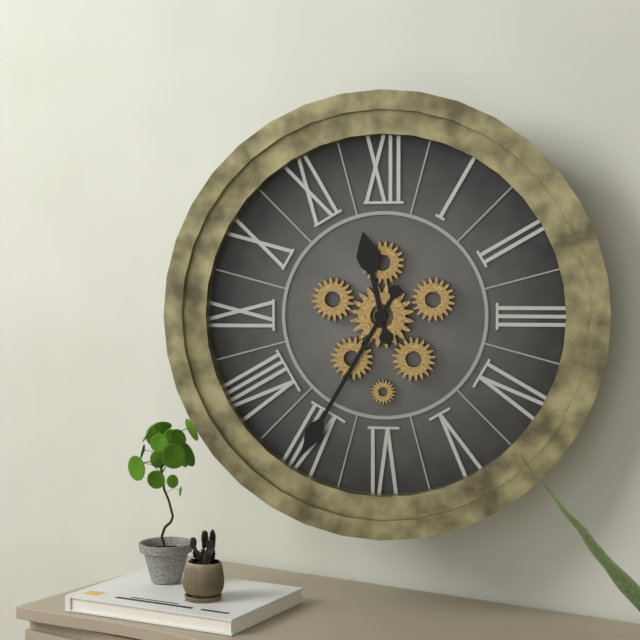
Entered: 11.35
